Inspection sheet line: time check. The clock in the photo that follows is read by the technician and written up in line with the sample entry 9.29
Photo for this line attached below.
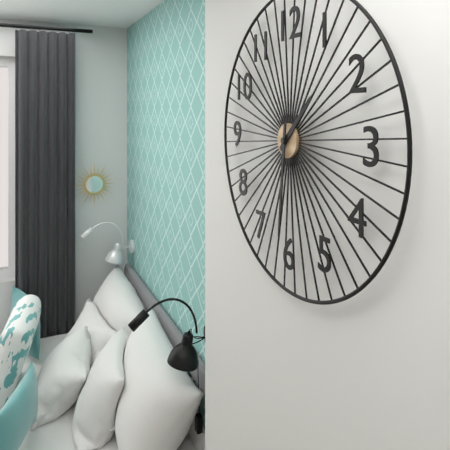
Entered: 1.31
